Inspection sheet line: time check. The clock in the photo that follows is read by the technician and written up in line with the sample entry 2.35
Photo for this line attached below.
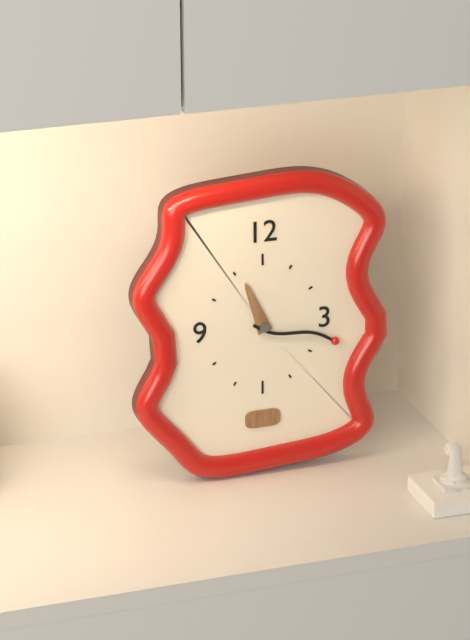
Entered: 11.18
